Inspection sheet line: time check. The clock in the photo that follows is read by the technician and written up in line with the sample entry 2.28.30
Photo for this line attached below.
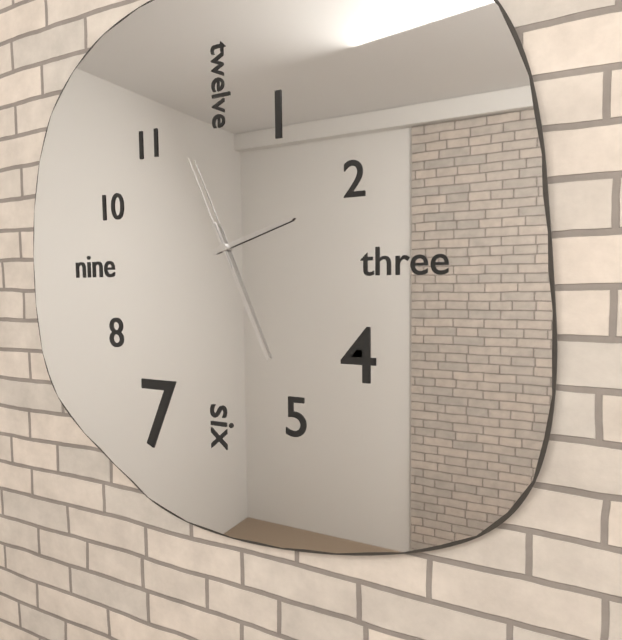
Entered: 2.26.56
